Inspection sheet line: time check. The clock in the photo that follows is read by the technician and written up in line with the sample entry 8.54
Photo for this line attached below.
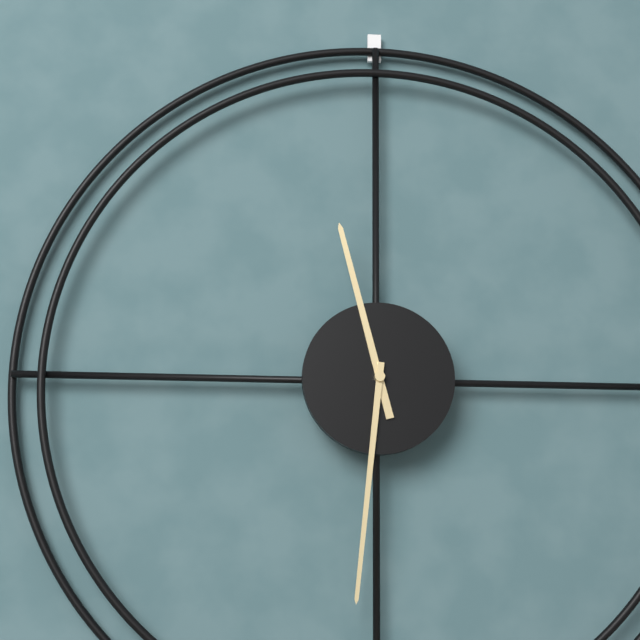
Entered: 11.31
